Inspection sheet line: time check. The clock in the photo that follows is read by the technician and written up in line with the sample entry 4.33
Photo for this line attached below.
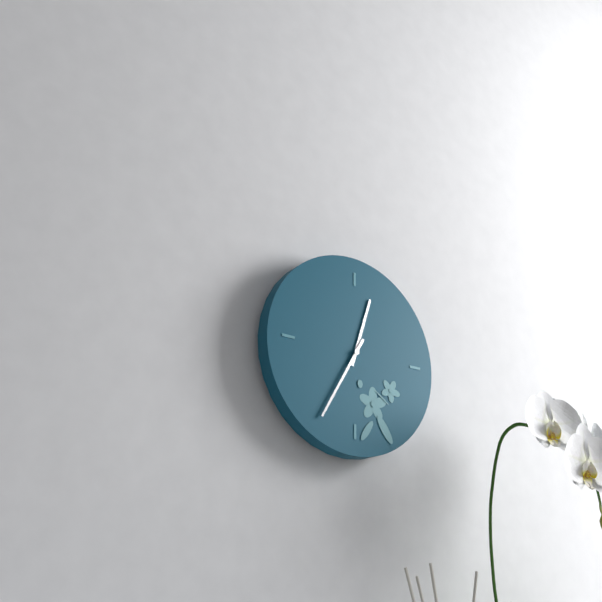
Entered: 12.35
